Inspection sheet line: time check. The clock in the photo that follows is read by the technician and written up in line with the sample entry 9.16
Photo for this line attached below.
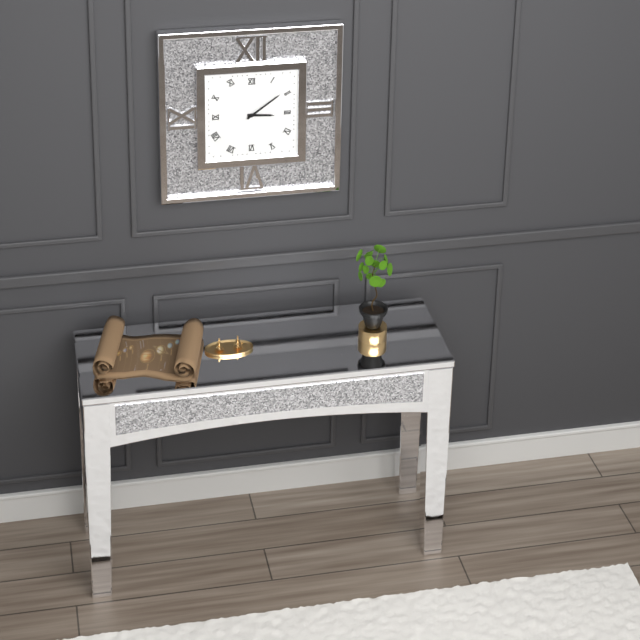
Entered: 3.09
